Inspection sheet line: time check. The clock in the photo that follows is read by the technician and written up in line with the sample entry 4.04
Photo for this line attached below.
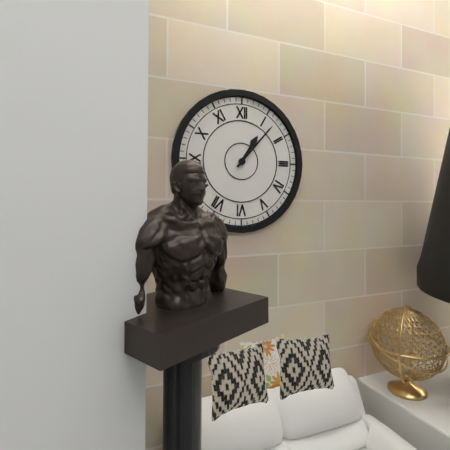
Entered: 1.07
